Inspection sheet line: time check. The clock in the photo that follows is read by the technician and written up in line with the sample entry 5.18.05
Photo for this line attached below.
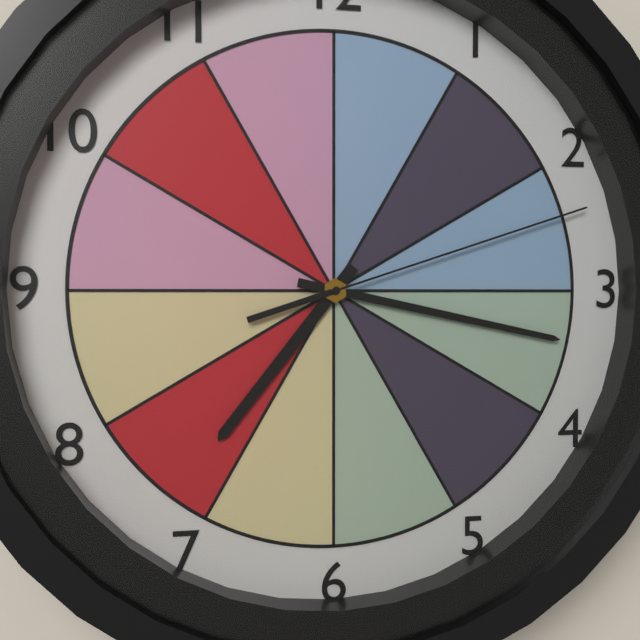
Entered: 7.17.12
